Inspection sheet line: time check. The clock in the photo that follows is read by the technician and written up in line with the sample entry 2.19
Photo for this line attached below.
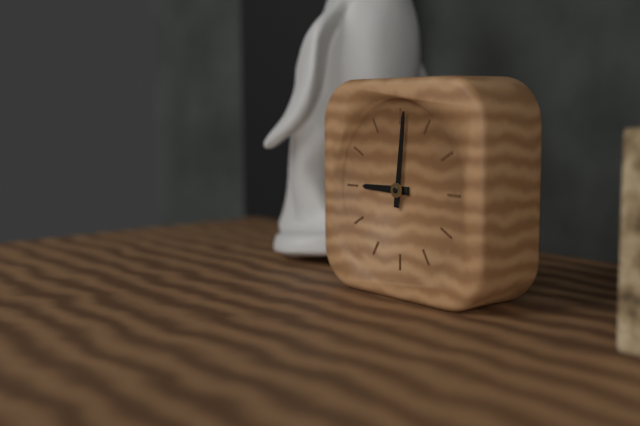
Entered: 9.01
